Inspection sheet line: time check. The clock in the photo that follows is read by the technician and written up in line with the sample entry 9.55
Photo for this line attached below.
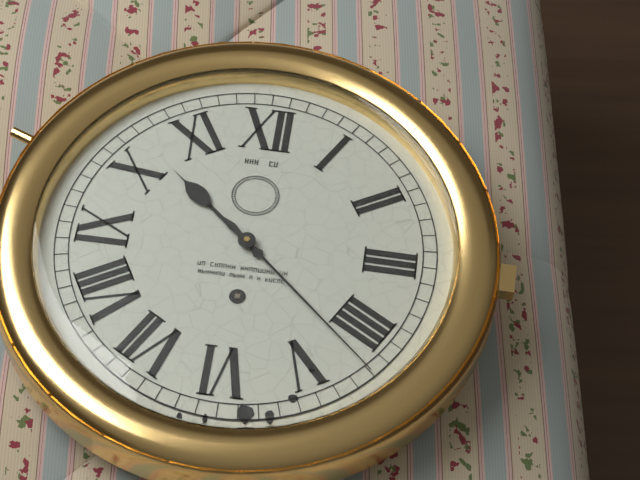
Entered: 10.22
